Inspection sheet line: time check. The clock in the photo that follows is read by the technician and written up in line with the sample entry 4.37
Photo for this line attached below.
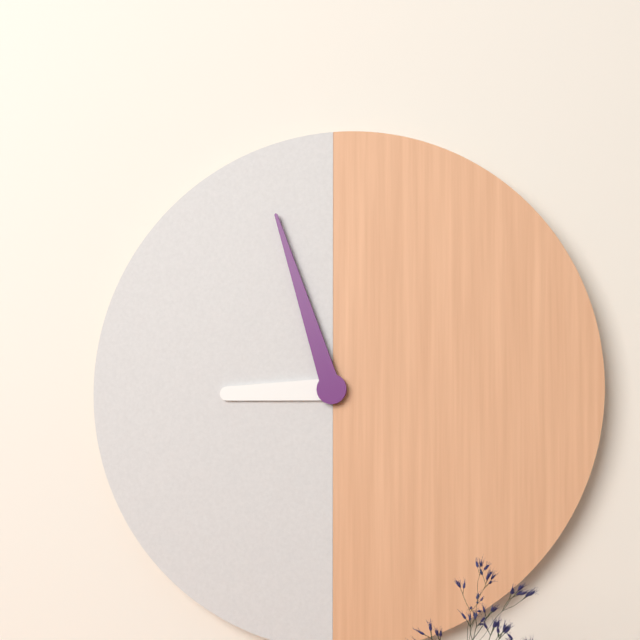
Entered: 8.57
